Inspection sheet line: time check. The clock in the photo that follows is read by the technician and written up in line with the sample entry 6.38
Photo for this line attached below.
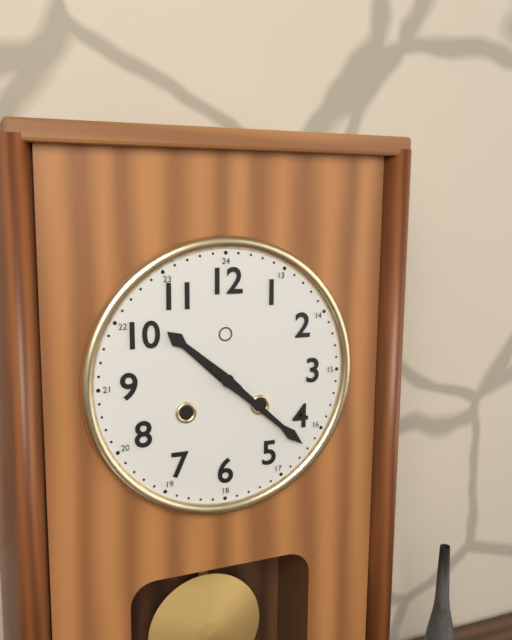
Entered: 10.22
